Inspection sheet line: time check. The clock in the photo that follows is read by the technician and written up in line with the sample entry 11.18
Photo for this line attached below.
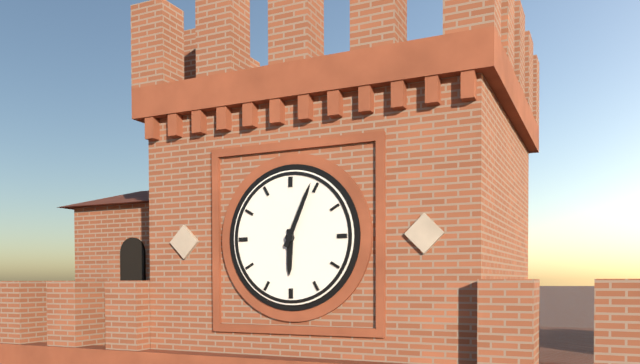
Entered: 6.04
